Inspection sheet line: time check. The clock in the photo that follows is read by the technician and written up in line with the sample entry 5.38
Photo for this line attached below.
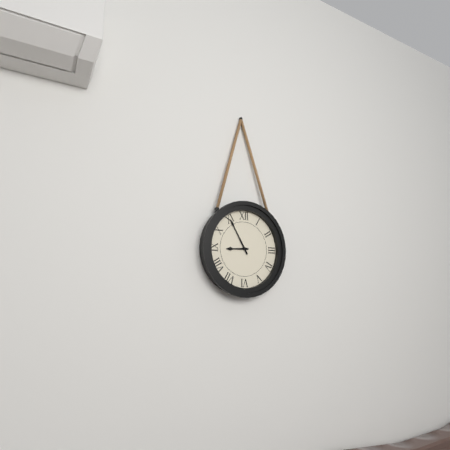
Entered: 8.55
